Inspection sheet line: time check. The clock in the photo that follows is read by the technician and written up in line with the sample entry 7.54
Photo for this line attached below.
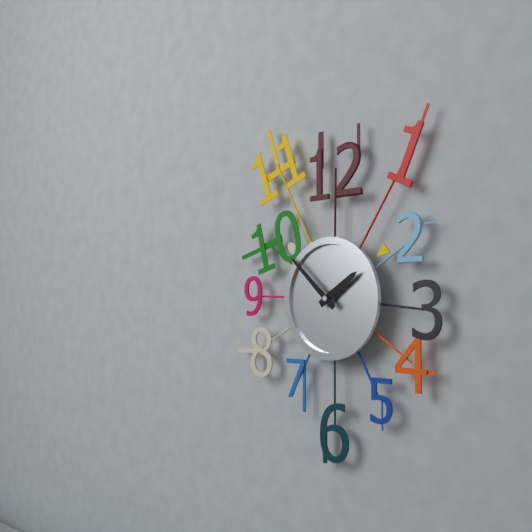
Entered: 1.52
